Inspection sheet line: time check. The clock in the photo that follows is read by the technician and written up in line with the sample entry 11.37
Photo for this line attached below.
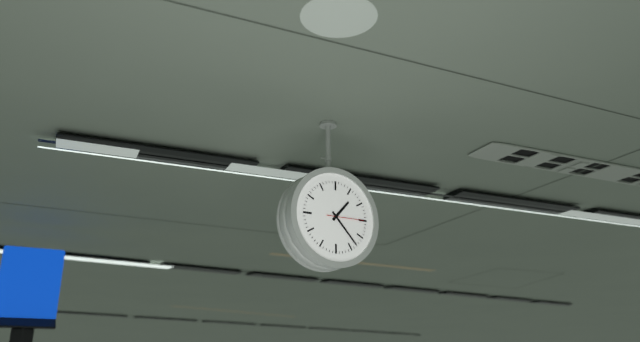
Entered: 1.23
